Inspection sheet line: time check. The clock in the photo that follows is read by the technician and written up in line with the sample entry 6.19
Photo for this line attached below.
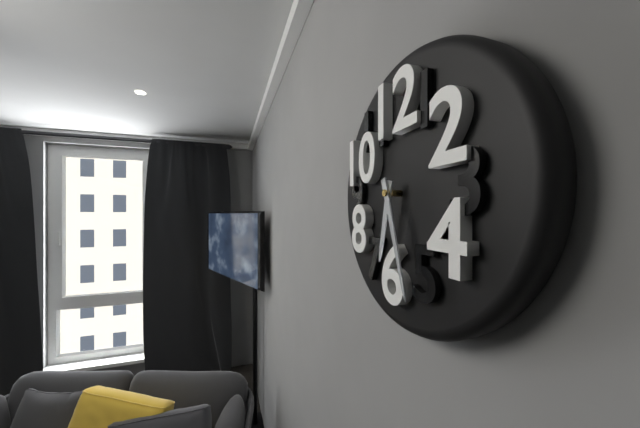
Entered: 6.27
